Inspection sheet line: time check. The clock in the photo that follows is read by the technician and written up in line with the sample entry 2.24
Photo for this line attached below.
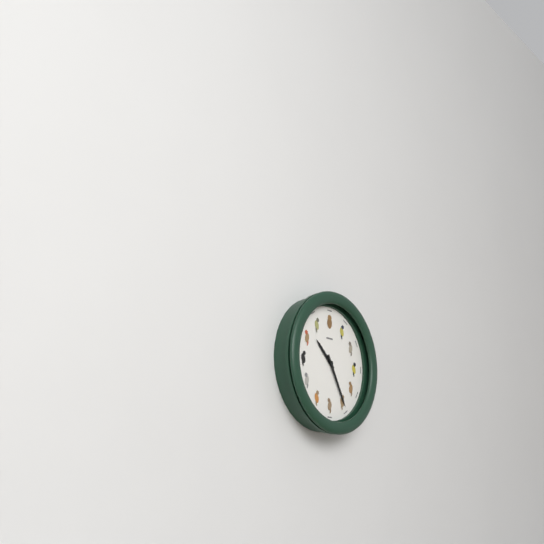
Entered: 10.25
